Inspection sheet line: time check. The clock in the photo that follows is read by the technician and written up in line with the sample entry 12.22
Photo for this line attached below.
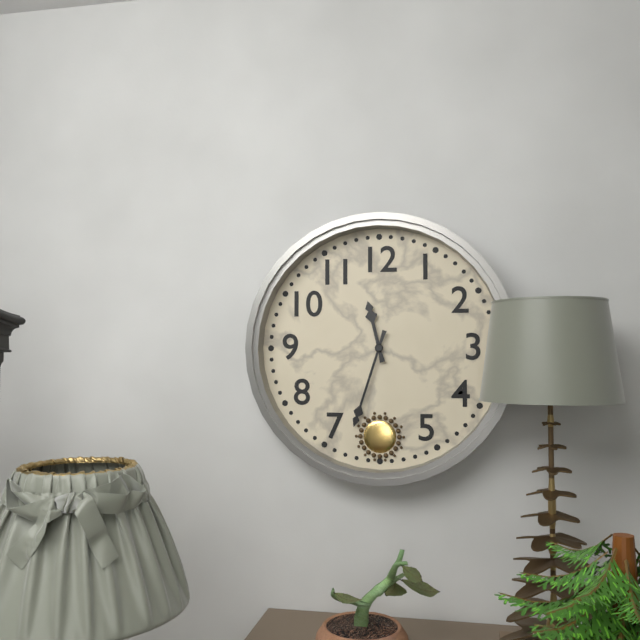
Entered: 11.33
